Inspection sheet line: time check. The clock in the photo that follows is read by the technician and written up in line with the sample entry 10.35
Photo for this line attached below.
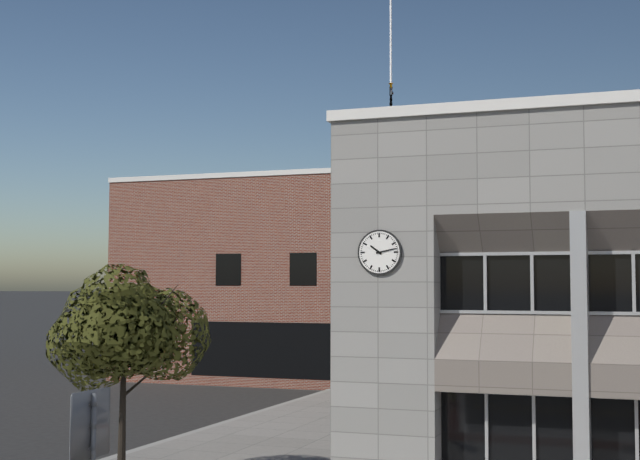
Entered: 10.13
